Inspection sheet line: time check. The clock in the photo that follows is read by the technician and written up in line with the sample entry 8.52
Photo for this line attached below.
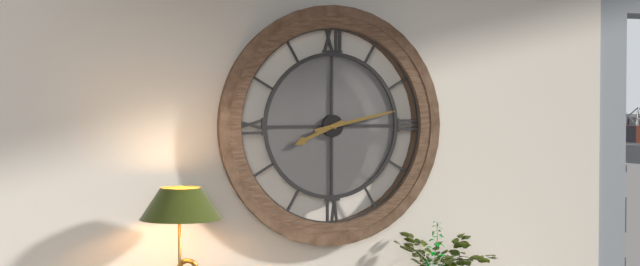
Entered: 8.13
